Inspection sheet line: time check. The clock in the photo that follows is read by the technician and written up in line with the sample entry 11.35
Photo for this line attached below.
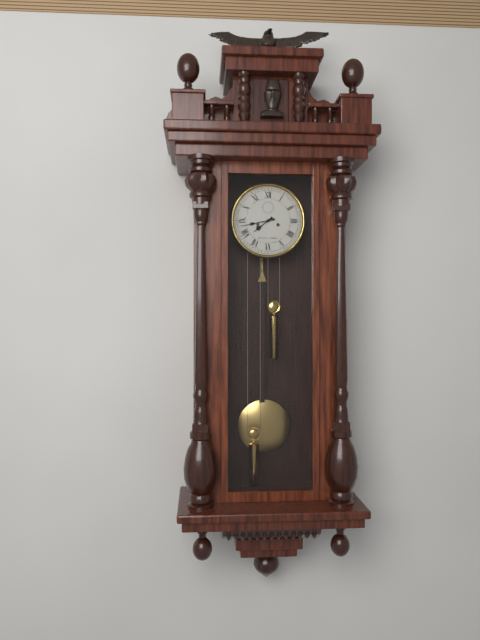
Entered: 7.43
